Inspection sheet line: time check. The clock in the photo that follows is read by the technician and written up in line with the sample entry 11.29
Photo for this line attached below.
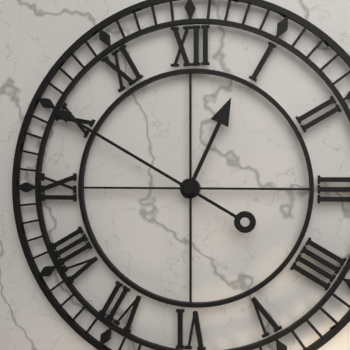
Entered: 12.50
